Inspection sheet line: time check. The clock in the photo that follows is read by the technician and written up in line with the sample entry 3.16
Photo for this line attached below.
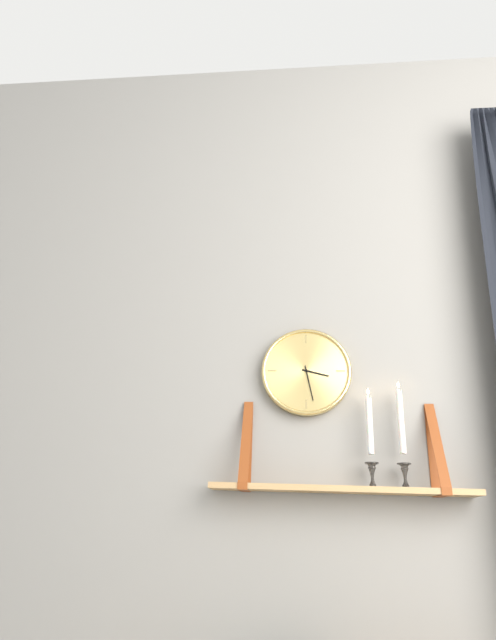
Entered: 3.28
